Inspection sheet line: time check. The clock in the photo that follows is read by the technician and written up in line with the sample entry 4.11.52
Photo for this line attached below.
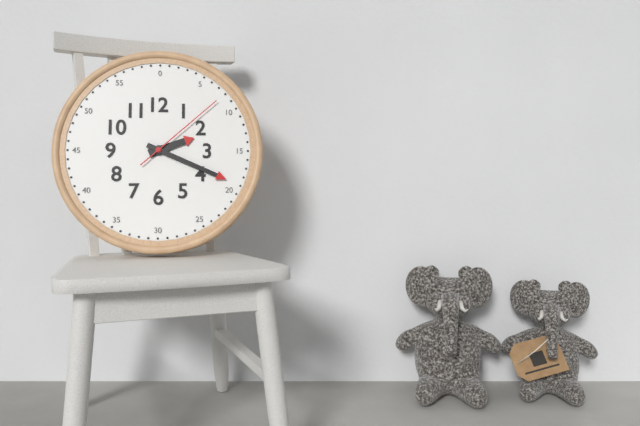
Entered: 2.19.08
